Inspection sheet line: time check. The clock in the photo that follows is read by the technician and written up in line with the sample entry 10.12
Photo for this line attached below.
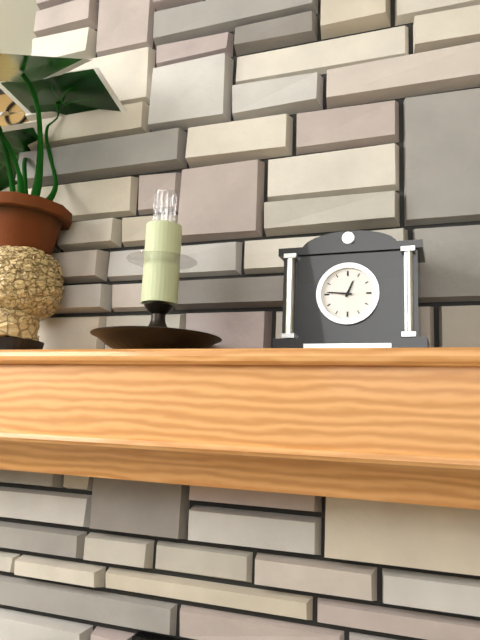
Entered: 12.46
